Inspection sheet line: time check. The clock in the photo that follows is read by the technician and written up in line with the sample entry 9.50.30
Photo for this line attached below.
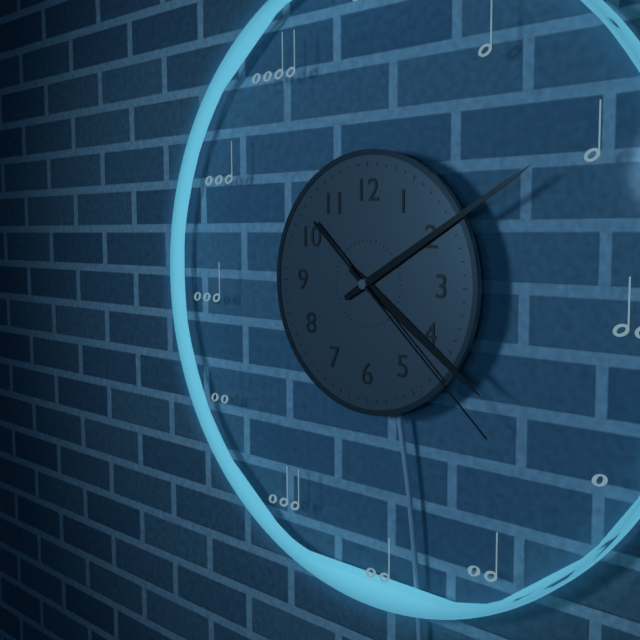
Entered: 4.10.22
